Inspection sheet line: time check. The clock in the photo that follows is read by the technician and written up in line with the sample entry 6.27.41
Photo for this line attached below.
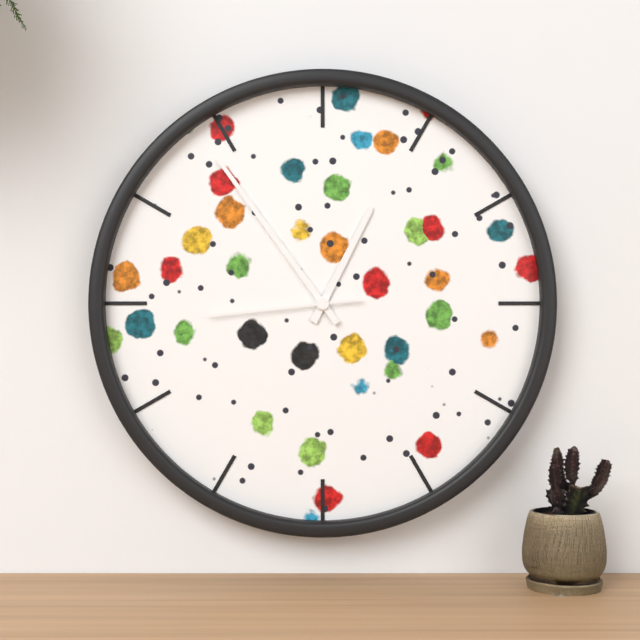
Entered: 12.54.44
